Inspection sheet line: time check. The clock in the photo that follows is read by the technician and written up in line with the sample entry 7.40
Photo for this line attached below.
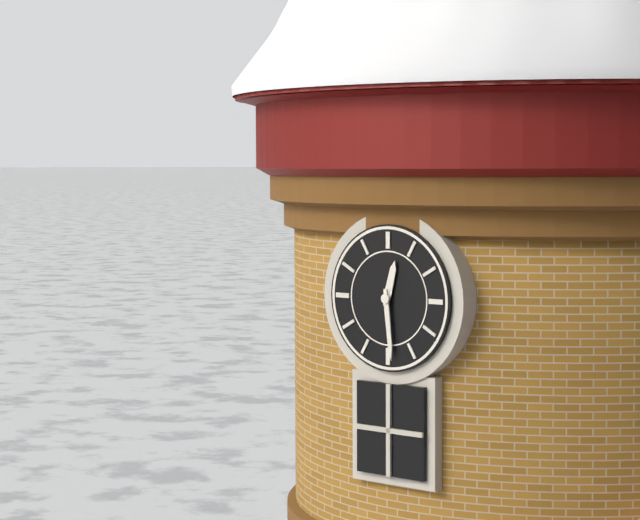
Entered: 12.29
